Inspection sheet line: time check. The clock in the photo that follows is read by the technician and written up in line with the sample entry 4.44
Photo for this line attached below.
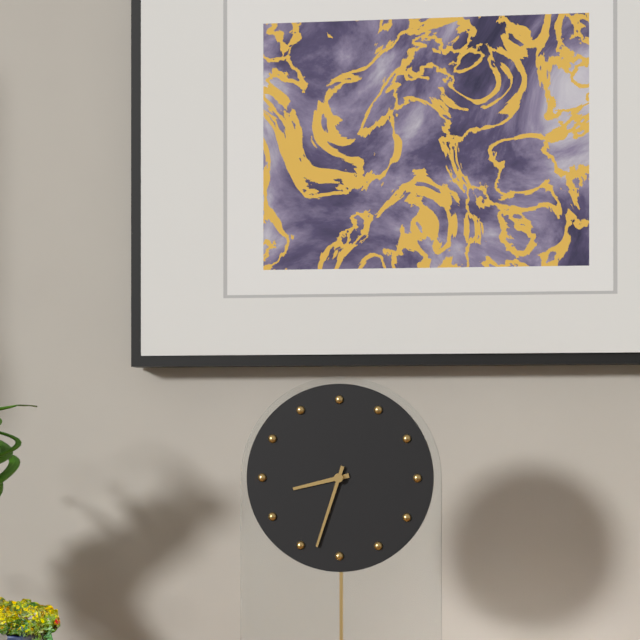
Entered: 8.33
